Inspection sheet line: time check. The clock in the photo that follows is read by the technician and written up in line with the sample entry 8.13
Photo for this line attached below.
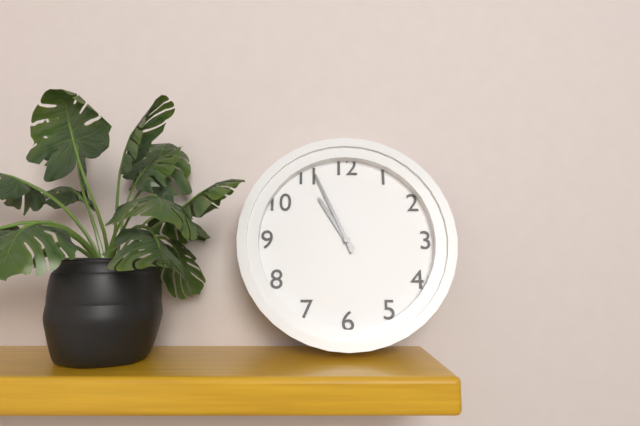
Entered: 10.56
